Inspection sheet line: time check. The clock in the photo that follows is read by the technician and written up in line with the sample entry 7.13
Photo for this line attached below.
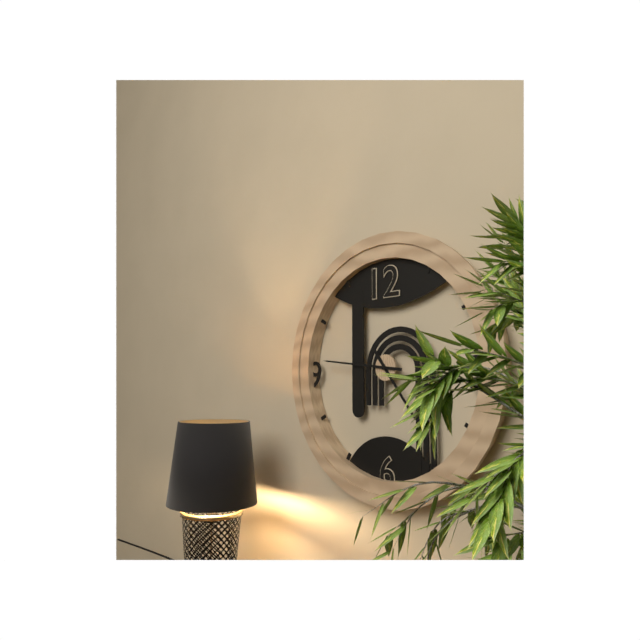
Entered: 4.46
